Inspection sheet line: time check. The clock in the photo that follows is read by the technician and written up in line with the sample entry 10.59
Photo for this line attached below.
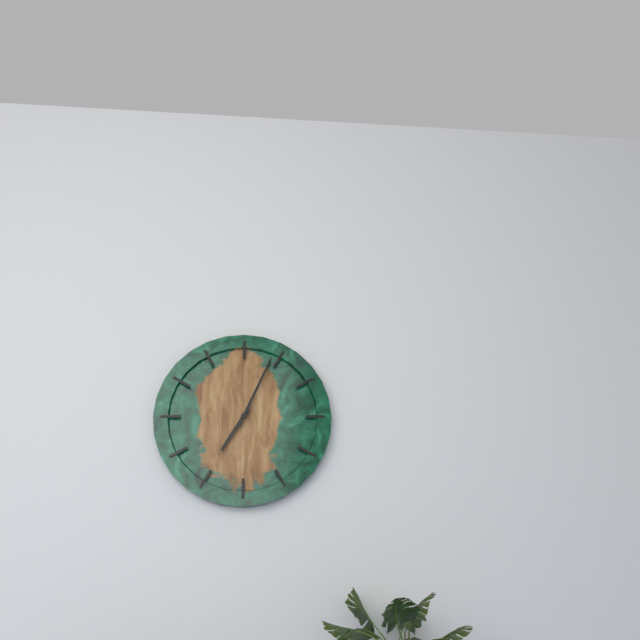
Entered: 7.04
